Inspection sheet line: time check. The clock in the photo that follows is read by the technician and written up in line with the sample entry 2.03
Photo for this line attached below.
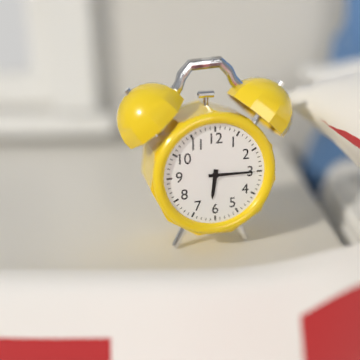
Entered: 6.15
